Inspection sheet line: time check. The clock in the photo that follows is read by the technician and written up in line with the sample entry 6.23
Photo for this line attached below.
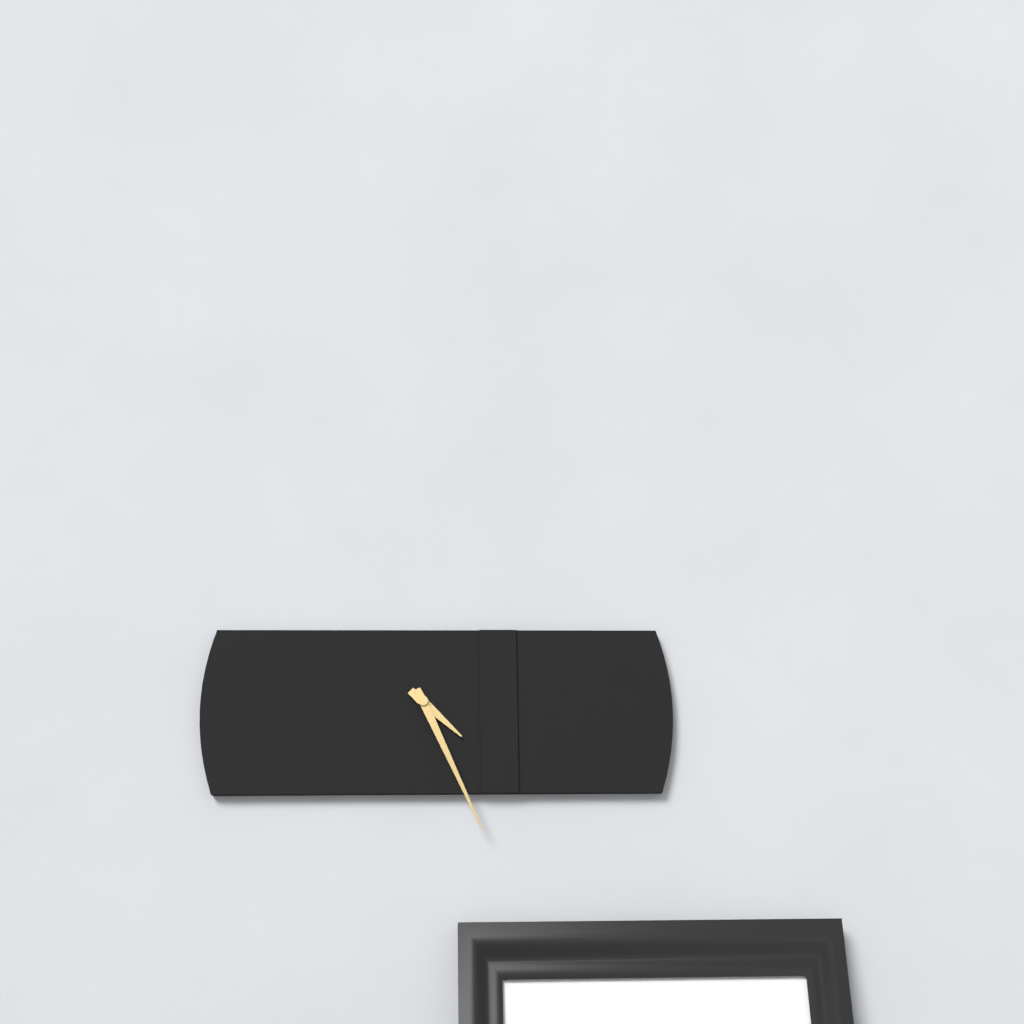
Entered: 4.26
